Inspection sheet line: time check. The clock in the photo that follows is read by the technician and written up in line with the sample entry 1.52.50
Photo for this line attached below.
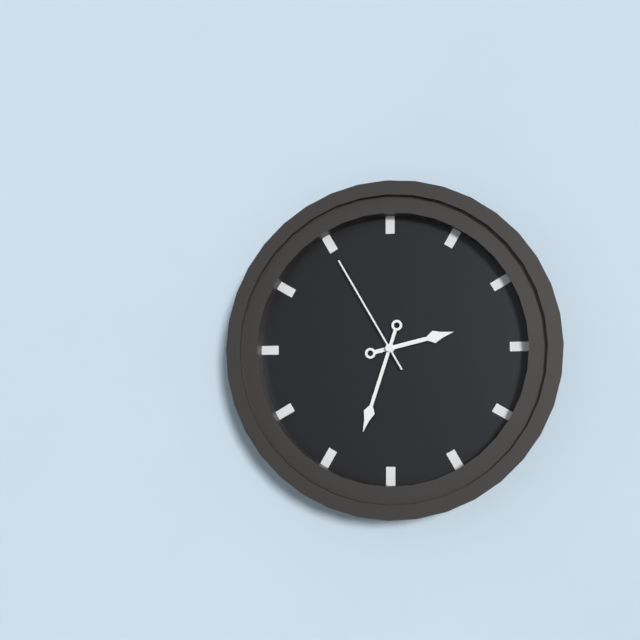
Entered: 2.33.55
